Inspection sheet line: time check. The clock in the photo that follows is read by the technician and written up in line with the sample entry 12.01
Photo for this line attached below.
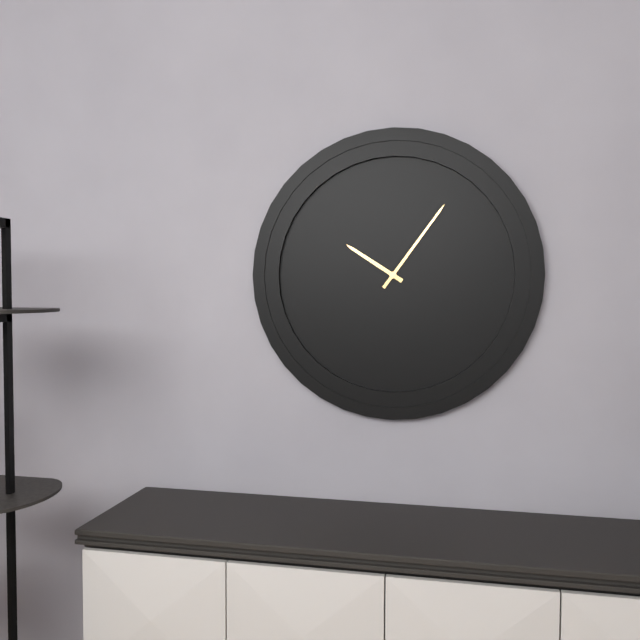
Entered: 10.06
